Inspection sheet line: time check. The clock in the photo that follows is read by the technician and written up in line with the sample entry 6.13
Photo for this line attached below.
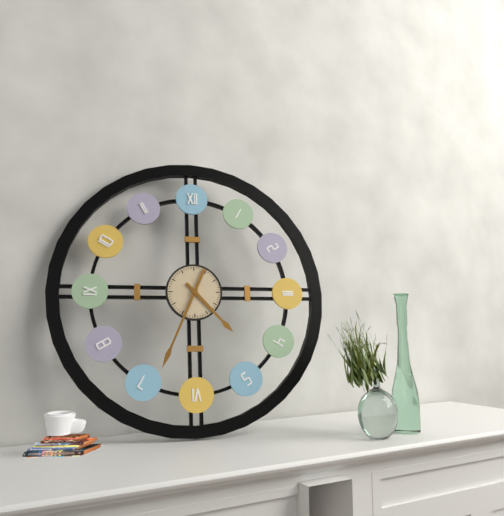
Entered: 4.34
